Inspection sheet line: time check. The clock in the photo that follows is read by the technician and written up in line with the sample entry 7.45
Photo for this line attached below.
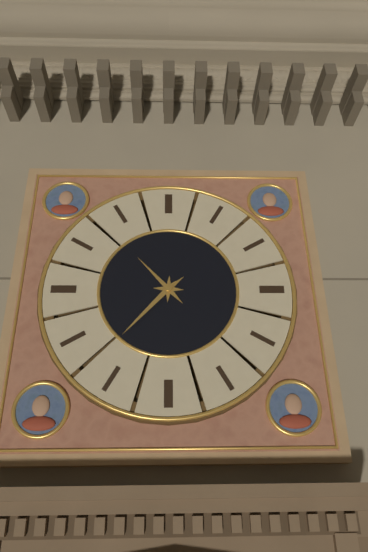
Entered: 10.37
